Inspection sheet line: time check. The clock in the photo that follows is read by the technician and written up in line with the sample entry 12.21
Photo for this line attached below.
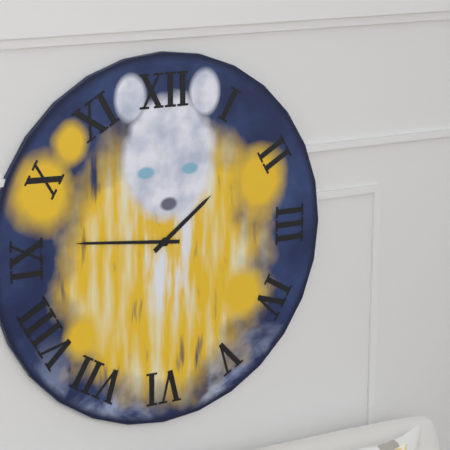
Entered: 1.46
